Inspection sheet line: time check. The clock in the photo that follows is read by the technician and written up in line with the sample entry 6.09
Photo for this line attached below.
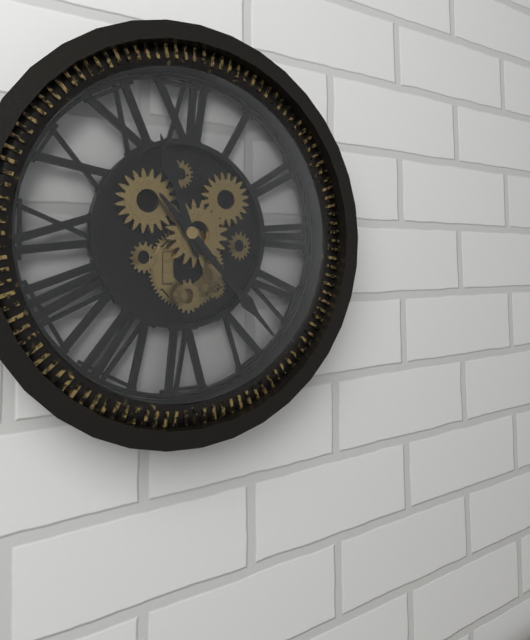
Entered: 11.23
